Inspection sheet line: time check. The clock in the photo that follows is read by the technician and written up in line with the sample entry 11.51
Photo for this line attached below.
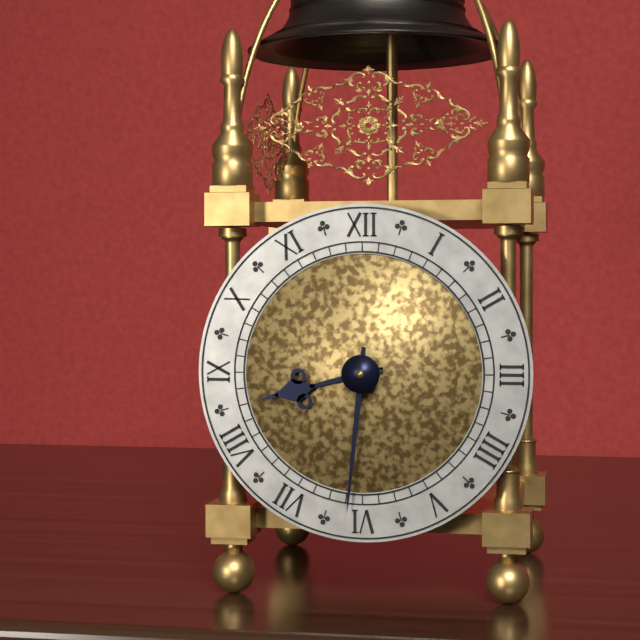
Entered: 8.31
